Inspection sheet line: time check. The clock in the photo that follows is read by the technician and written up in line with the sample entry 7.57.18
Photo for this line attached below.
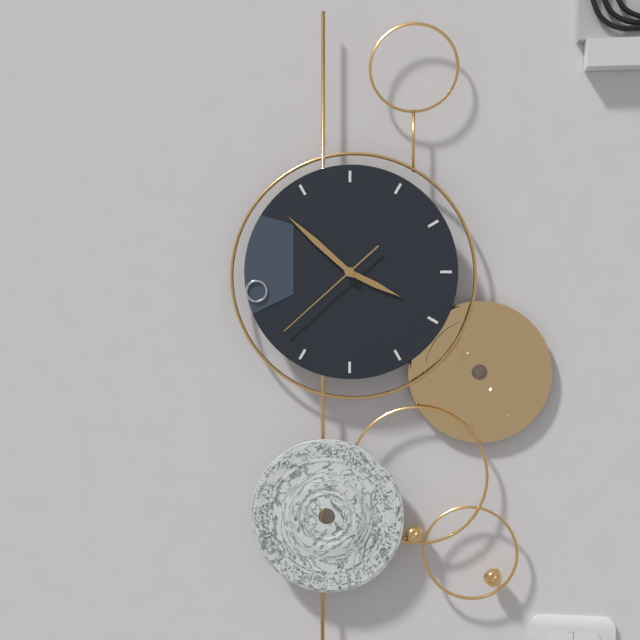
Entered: 3.52.38
